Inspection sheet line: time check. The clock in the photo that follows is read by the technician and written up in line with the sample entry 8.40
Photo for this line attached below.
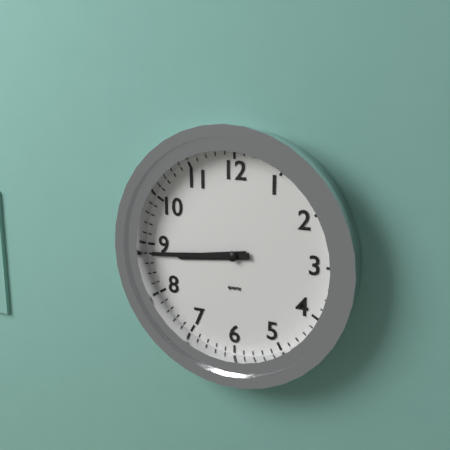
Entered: 8.44
